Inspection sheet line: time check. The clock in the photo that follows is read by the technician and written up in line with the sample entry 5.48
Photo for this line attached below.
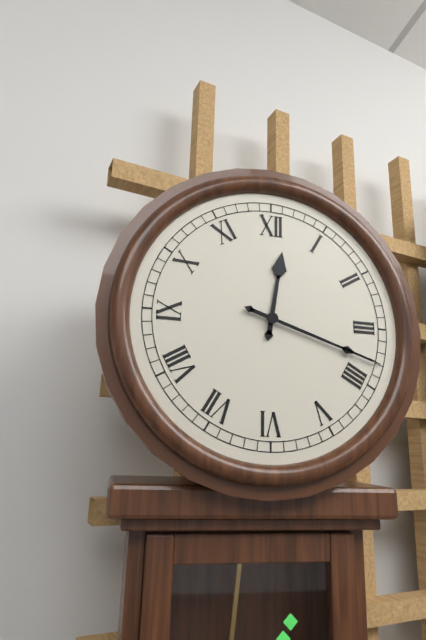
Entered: 12.18
